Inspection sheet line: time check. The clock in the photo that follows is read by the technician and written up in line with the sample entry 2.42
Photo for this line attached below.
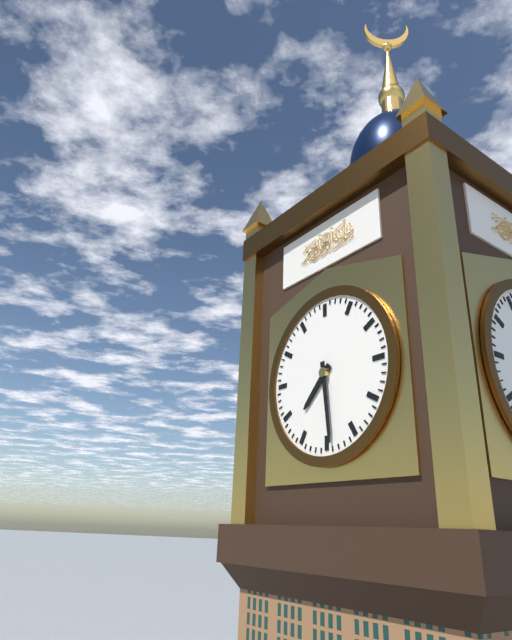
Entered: 7.29
